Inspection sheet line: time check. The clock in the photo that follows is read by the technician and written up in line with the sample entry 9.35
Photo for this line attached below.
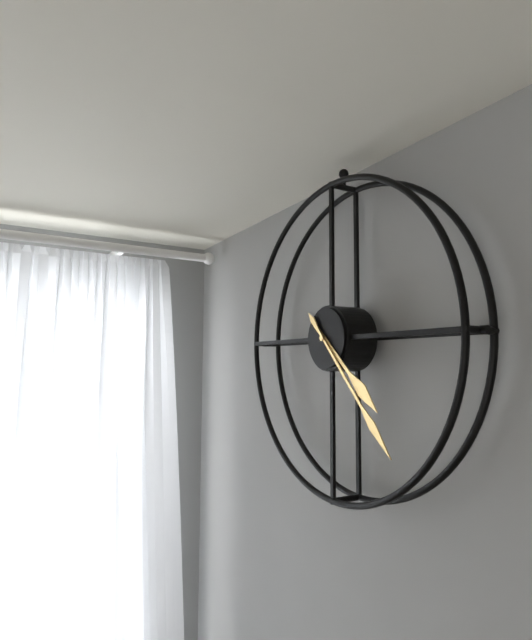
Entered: 4.23
